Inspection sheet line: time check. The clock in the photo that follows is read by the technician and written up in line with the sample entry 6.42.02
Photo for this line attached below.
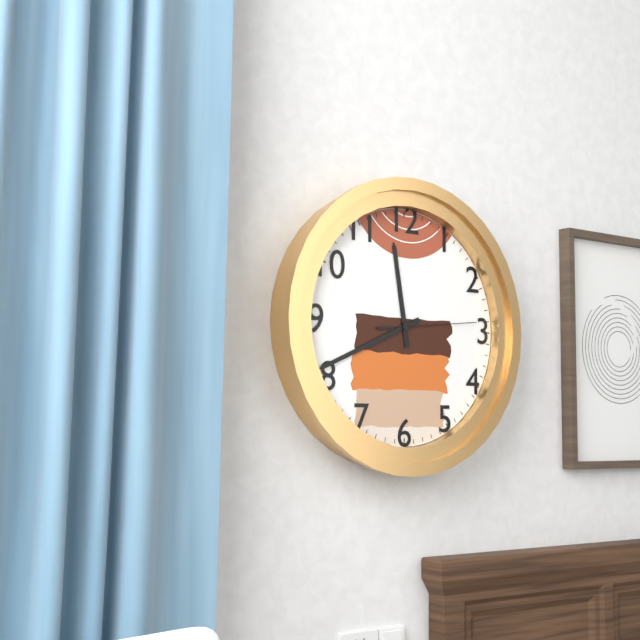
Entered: 11.41.14
